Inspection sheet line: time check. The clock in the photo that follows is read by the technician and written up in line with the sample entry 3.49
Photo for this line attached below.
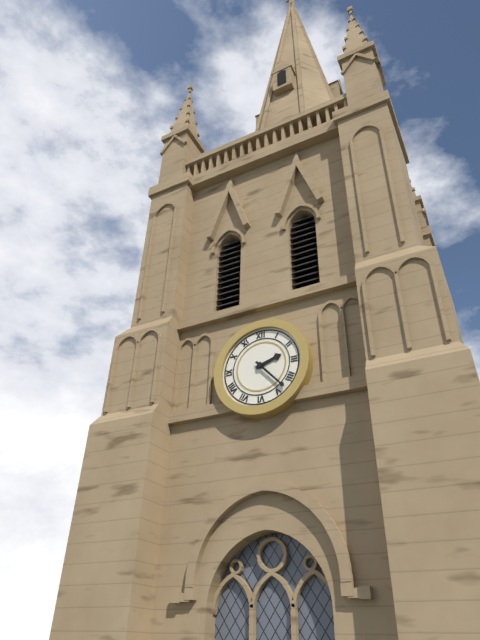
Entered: 2.23
